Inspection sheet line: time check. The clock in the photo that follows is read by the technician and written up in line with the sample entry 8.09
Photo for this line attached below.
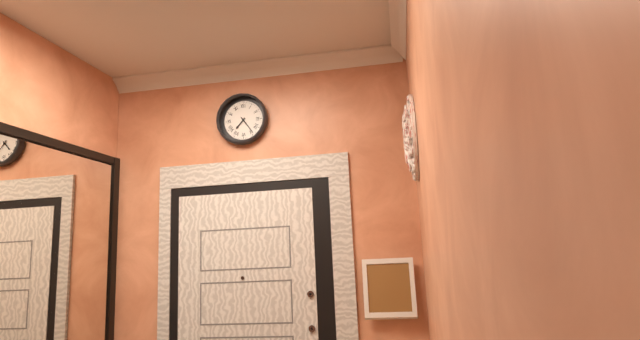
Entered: 7.24
